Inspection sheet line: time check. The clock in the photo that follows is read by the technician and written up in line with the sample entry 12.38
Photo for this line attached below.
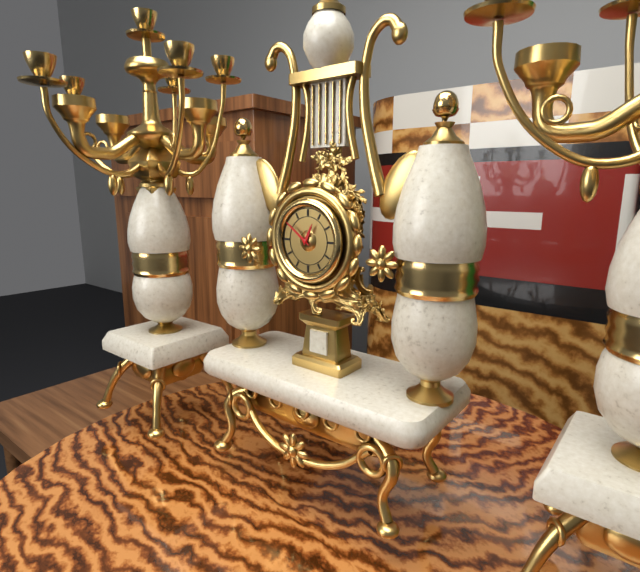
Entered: 12.51
